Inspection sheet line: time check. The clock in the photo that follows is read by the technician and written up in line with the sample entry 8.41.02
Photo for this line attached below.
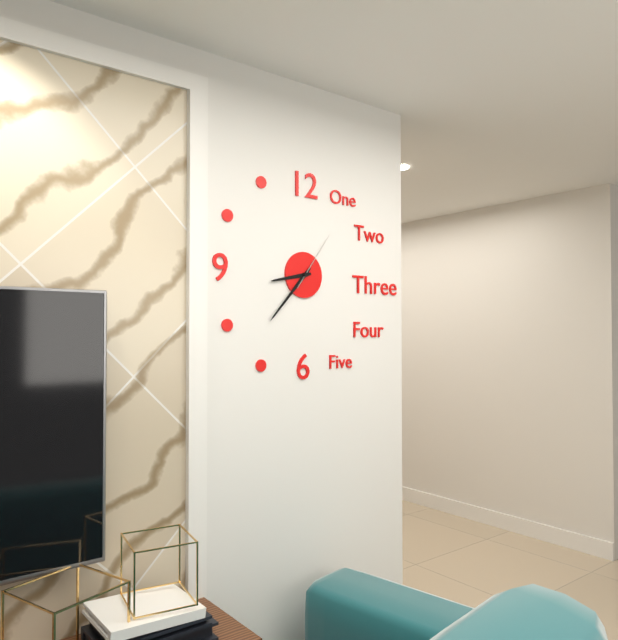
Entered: 8.37.06
